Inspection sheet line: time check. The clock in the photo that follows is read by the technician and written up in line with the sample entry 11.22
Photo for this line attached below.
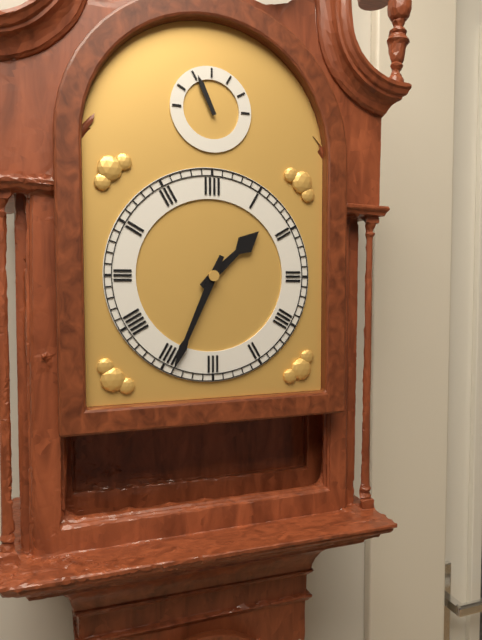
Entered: 1.34
